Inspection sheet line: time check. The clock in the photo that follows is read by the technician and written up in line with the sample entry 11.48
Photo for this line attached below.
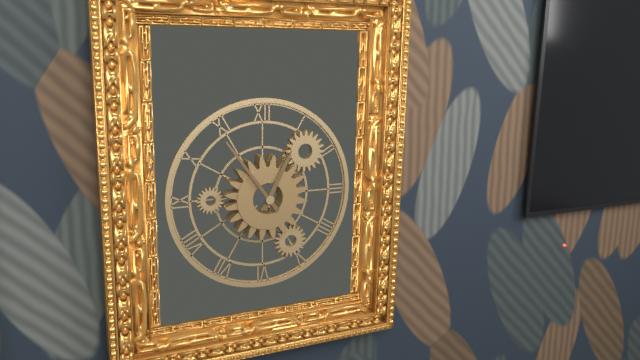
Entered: 12.54
